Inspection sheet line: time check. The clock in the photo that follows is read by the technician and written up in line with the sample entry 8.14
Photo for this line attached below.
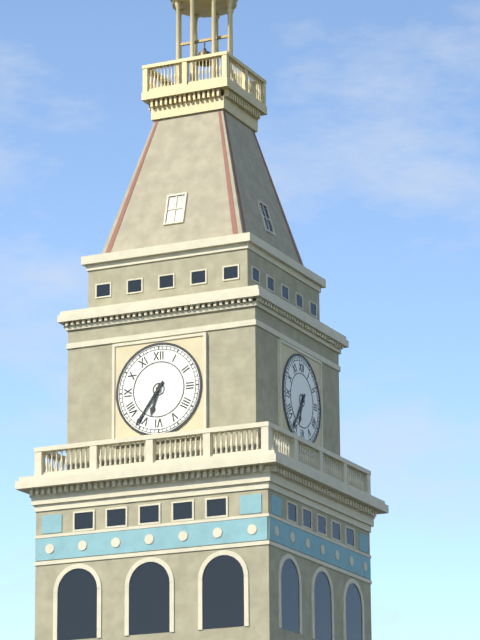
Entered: 6.36
